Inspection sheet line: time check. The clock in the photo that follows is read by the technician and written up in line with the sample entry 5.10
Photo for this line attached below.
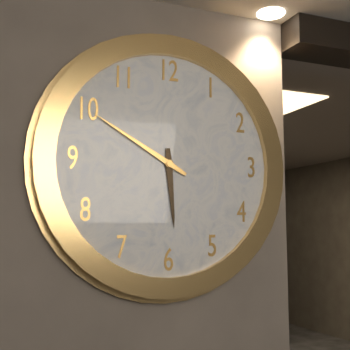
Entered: 5.50
